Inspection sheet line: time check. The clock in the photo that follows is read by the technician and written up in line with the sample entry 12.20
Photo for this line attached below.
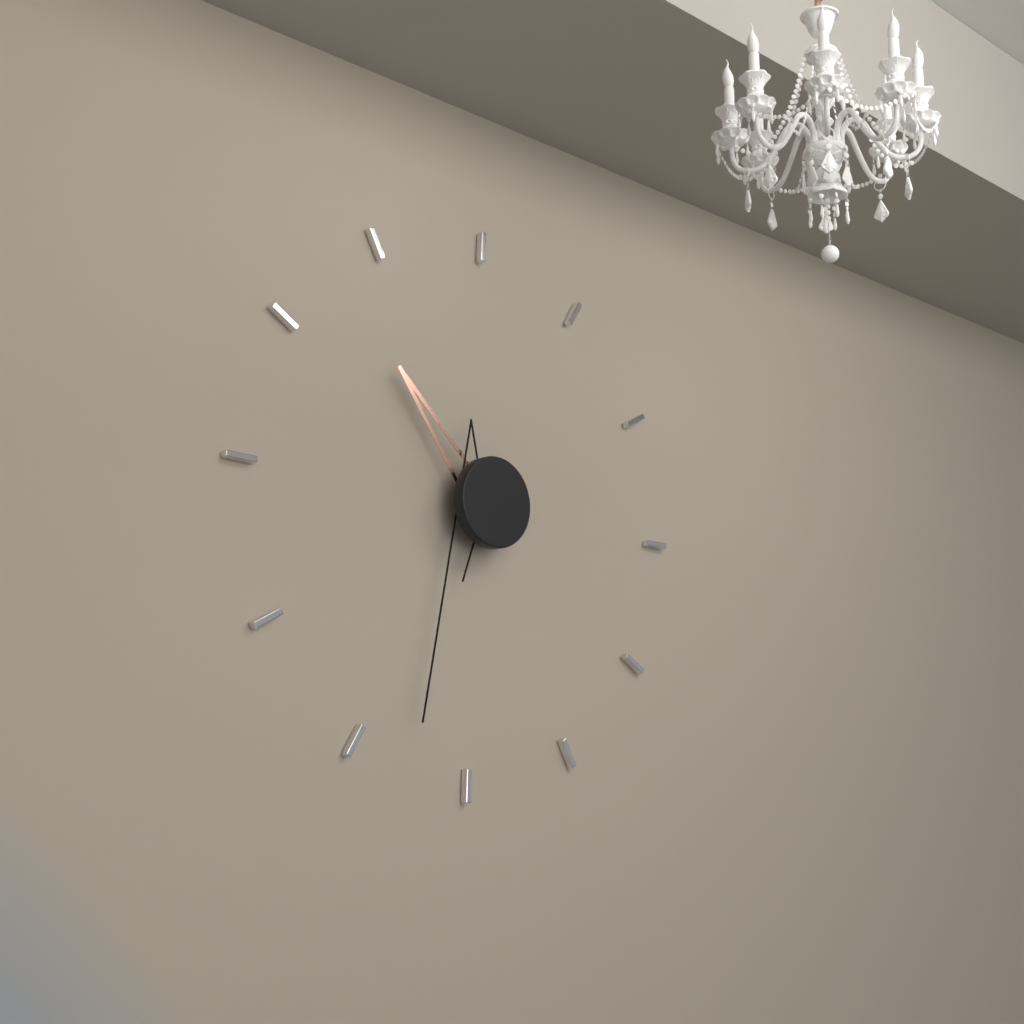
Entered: 10.33
